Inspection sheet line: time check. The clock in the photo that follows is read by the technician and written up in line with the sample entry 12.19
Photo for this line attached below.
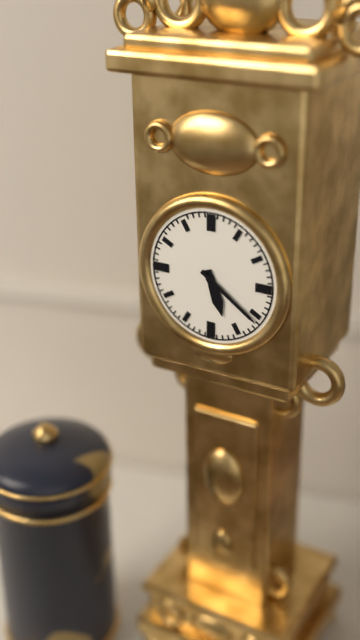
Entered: 5.21
